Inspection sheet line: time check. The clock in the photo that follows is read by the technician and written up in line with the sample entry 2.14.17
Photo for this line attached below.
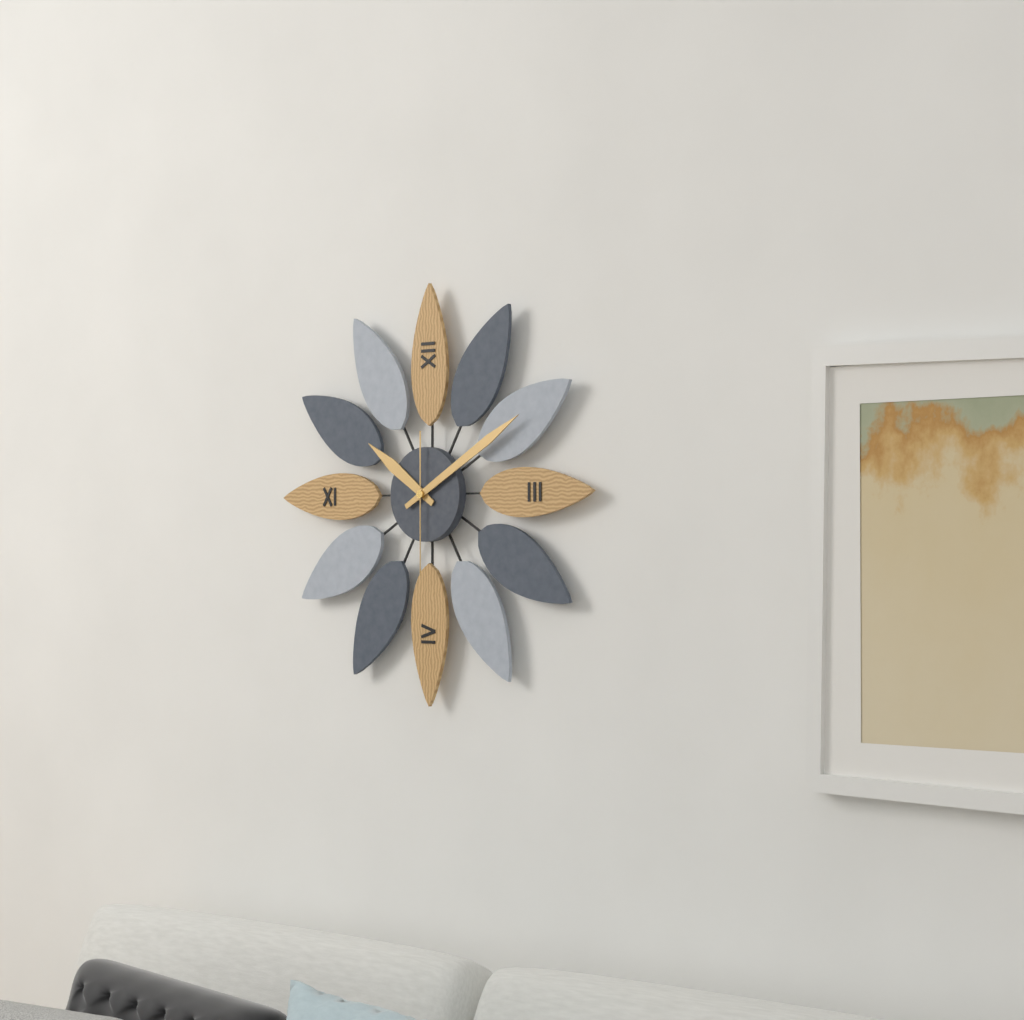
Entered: 10.10.30
